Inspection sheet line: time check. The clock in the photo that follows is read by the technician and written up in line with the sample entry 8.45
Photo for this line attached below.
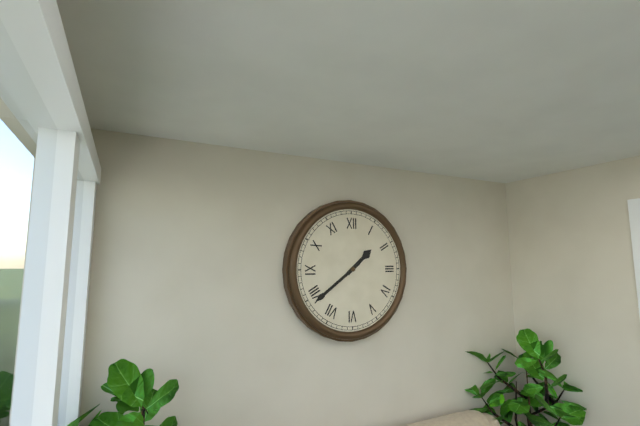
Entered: 1.39
